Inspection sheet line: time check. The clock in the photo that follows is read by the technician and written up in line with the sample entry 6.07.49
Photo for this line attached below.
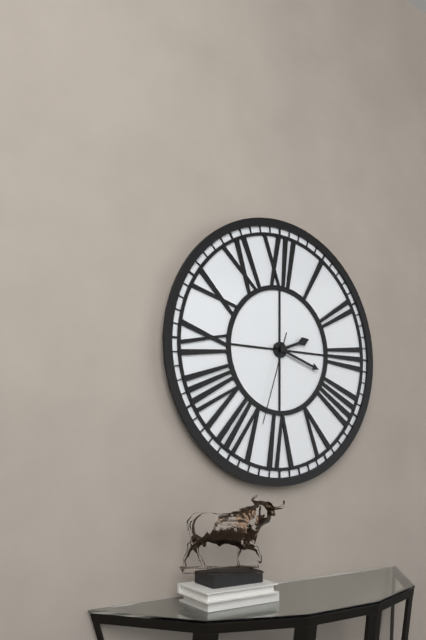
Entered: 2.18.33
